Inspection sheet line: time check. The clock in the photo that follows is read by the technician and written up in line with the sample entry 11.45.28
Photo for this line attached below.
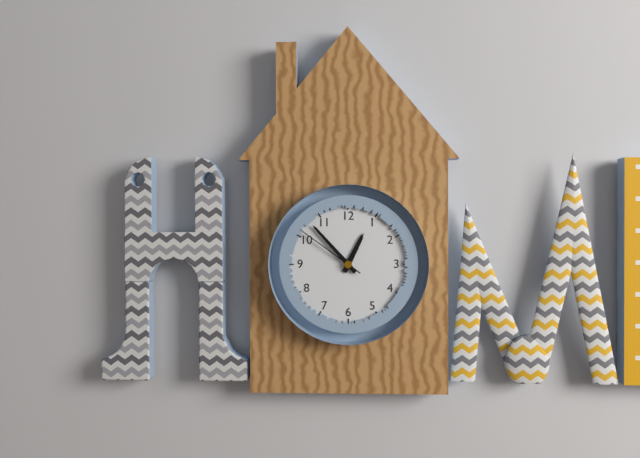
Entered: 12.53.51
